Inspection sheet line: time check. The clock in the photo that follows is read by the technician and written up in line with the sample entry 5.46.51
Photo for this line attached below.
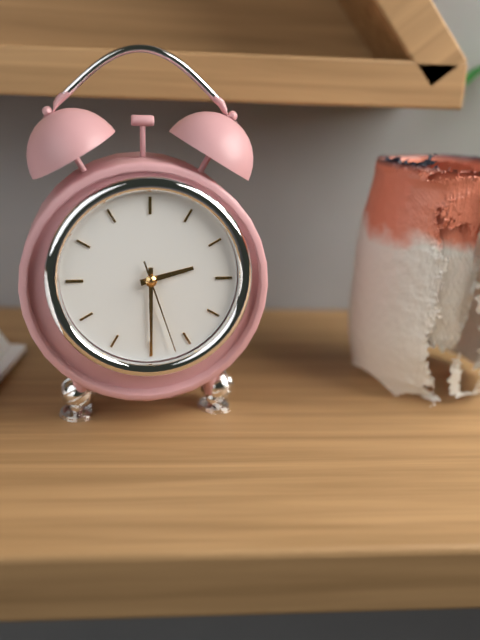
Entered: 2.30.27
